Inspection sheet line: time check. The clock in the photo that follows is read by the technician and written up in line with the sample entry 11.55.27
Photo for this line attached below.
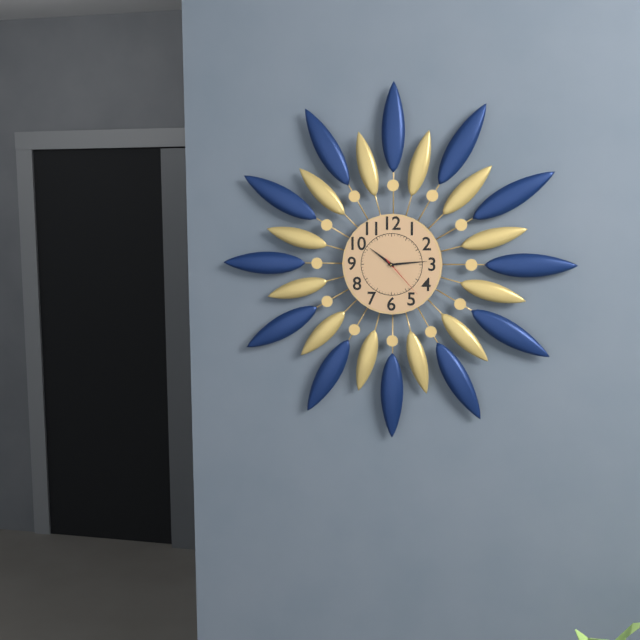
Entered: 10.14.23
